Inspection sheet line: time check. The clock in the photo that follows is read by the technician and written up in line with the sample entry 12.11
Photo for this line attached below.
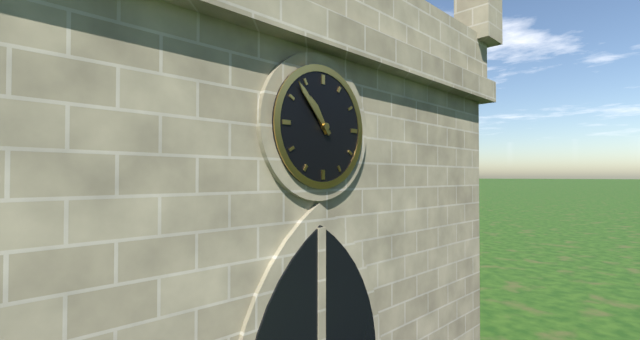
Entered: 10.53
